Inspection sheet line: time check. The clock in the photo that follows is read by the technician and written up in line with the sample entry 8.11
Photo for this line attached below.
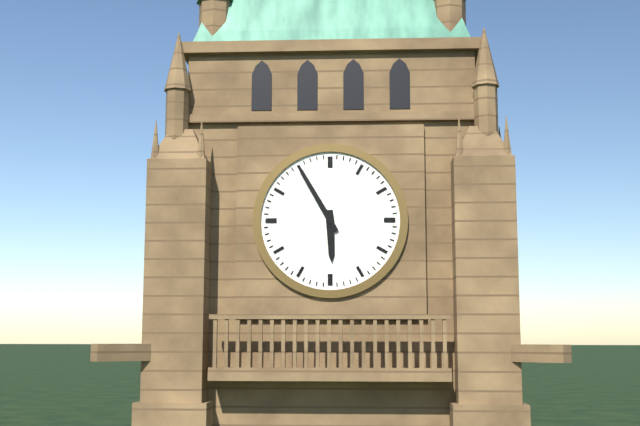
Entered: 5.55
